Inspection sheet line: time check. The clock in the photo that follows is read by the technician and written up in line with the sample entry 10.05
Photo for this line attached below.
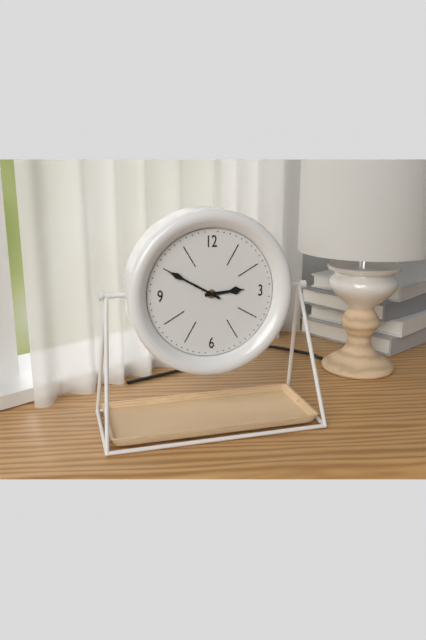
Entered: 2.50
